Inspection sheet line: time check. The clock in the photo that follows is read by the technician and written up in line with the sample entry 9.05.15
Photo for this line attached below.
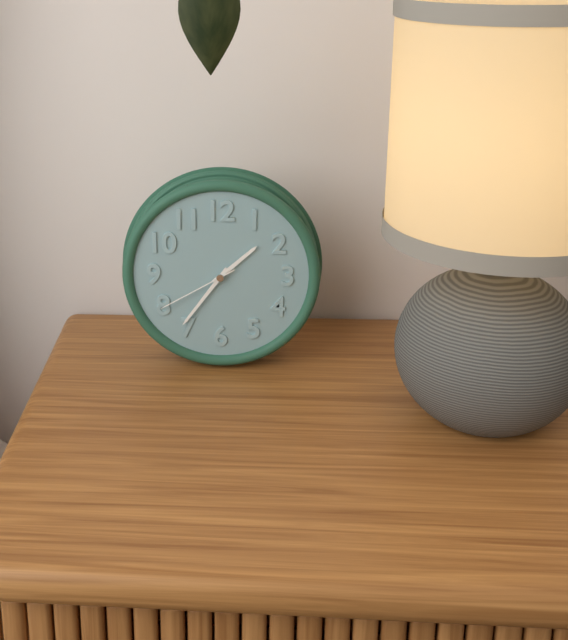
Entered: 1.36.40
